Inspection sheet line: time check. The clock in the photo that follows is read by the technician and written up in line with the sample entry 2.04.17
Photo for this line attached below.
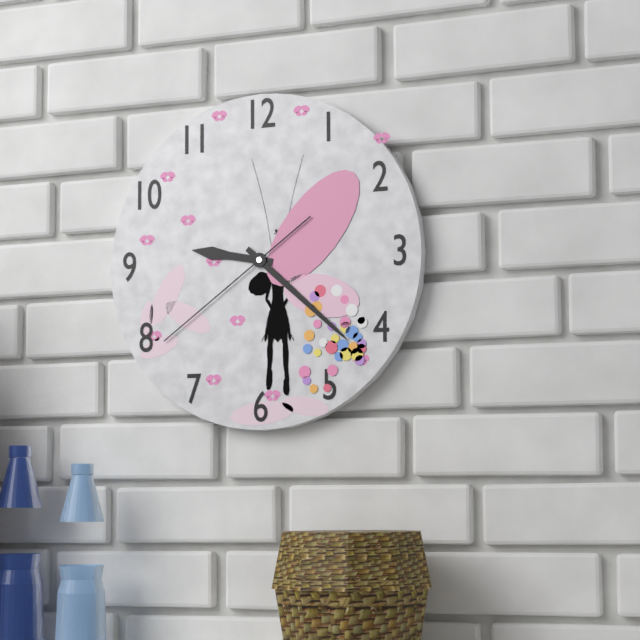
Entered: 9.22.39
